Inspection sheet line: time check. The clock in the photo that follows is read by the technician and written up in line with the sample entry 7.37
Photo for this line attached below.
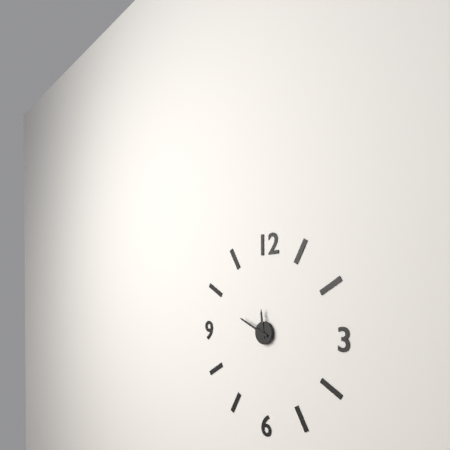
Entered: 11.49
